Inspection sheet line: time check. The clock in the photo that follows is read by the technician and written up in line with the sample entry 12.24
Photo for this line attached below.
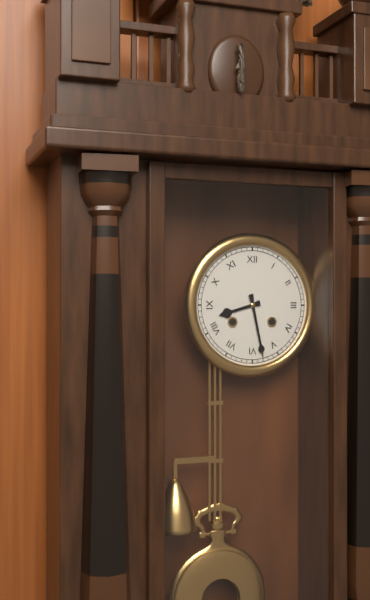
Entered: 8.28
